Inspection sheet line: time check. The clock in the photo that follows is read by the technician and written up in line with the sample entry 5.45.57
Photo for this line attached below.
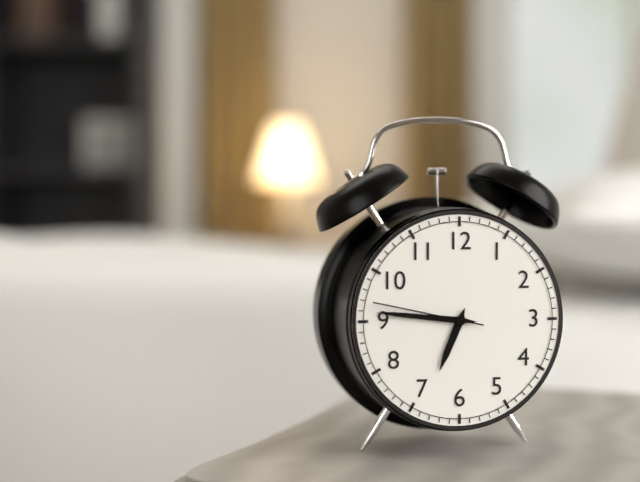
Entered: 6.46.47
